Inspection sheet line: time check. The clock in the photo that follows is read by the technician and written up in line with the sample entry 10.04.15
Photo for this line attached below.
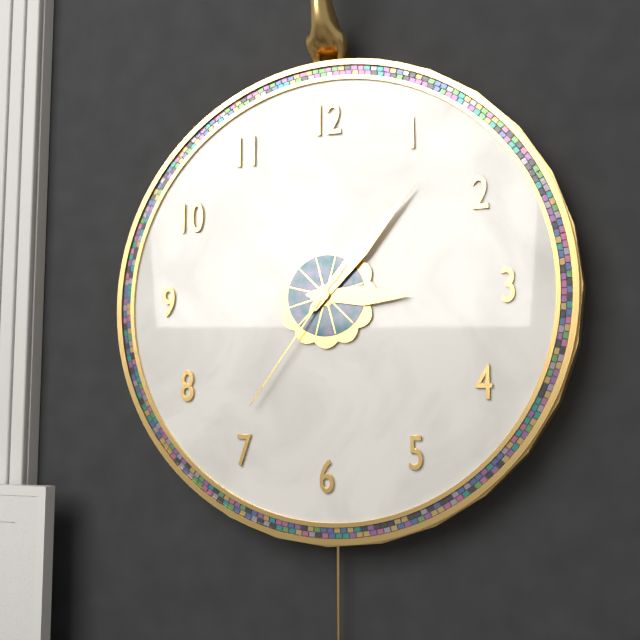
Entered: 3.07.36
